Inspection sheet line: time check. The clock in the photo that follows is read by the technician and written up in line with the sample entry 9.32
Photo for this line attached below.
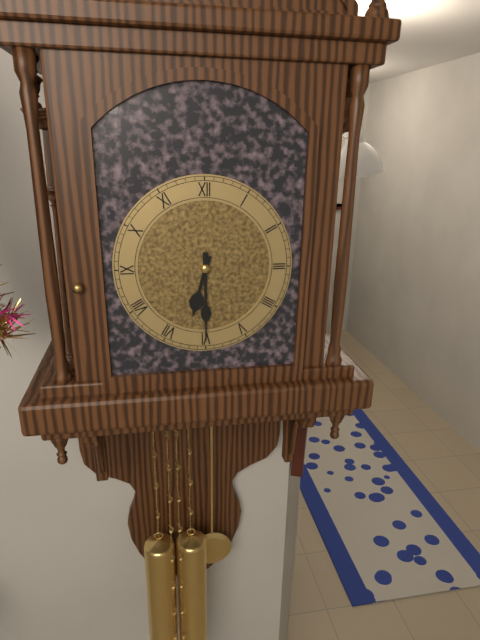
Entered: 6.30
